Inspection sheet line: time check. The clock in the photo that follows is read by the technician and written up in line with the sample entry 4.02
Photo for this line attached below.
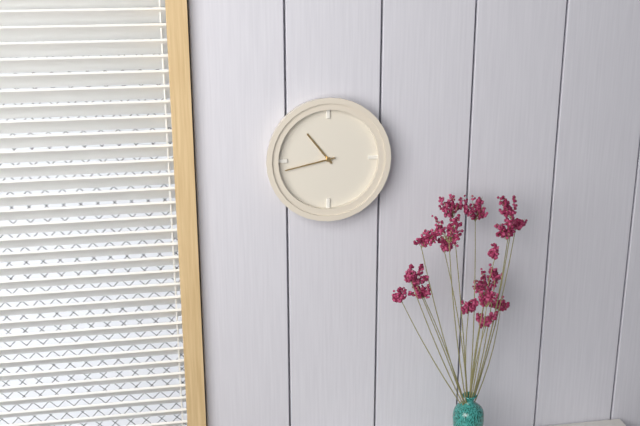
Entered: 10.43
